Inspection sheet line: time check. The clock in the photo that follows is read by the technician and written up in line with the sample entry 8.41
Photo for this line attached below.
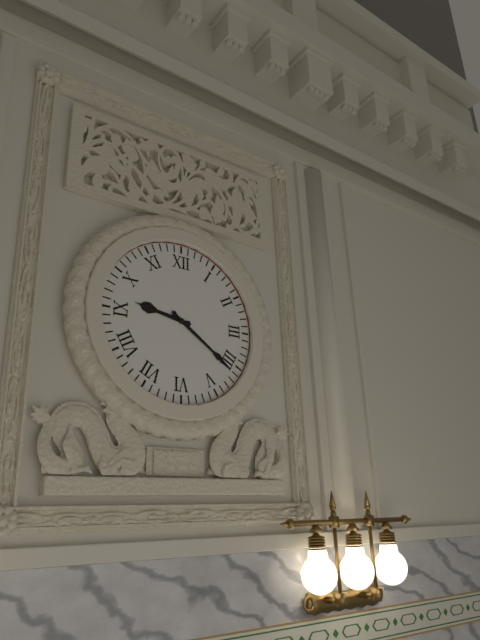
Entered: 9.21
